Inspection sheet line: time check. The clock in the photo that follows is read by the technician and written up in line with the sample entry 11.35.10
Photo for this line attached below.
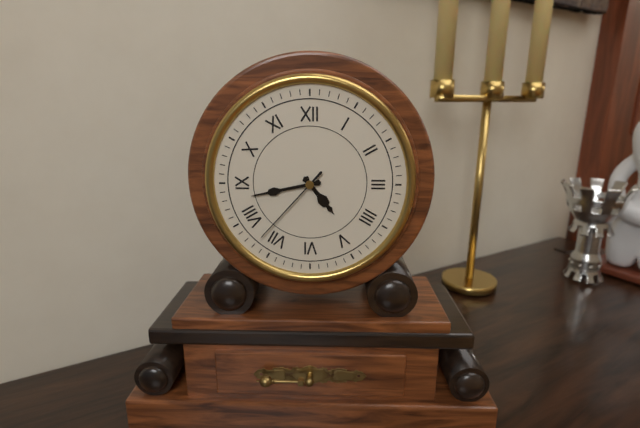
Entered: 4.43.37
